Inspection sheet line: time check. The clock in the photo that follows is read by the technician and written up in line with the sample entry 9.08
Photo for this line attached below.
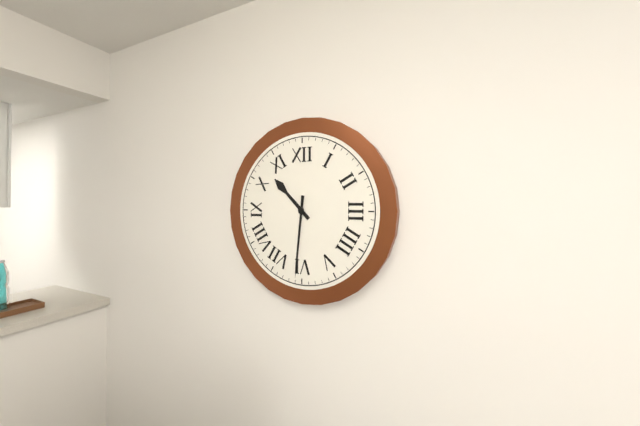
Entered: 10.31
